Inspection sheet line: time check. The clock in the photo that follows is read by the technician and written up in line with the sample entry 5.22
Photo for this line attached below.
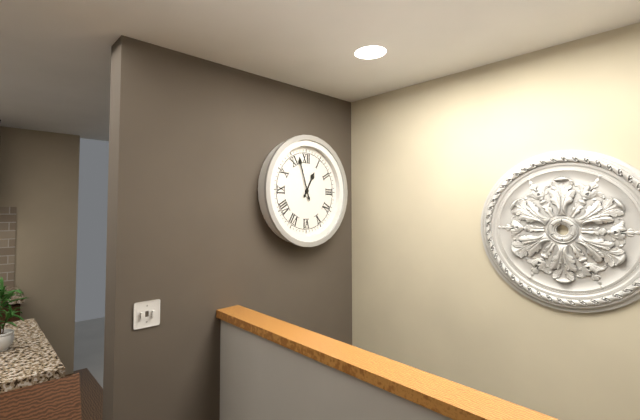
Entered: 12.57
